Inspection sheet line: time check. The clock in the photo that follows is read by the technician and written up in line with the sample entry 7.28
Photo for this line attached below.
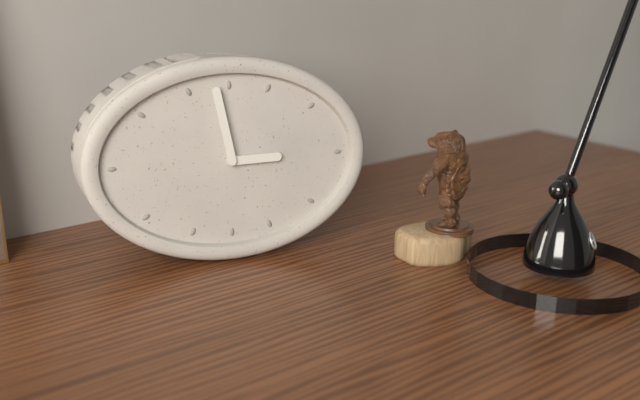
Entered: 2.58
